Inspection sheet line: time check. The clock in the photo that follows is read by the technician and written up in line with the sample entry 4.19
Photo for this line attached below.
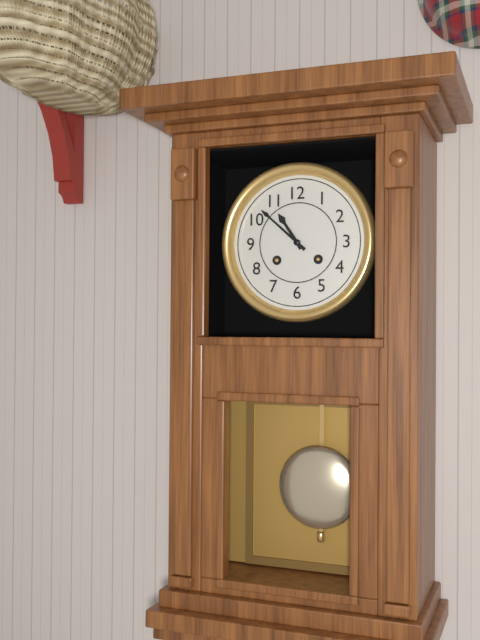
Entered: 10.52
